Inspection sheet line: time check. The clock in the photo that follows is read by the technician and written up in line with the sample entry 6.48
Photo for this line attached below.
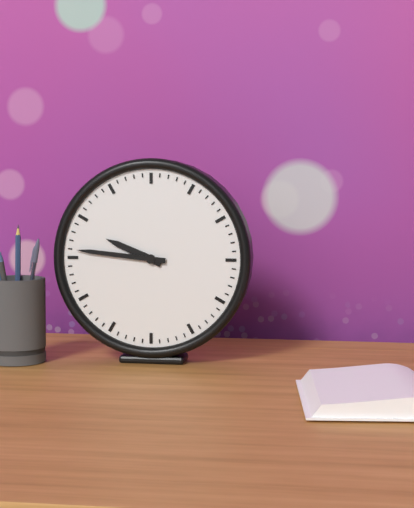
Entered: 9.46
